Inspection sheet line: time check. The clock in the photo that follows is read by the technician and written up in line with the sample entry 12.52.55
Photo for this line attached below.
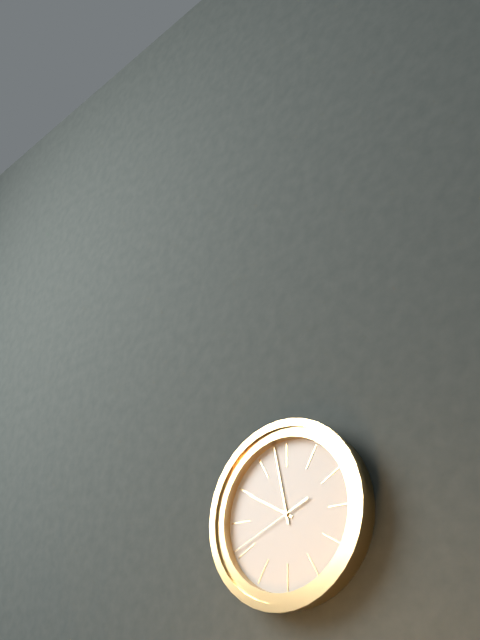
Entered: 9.58.41
